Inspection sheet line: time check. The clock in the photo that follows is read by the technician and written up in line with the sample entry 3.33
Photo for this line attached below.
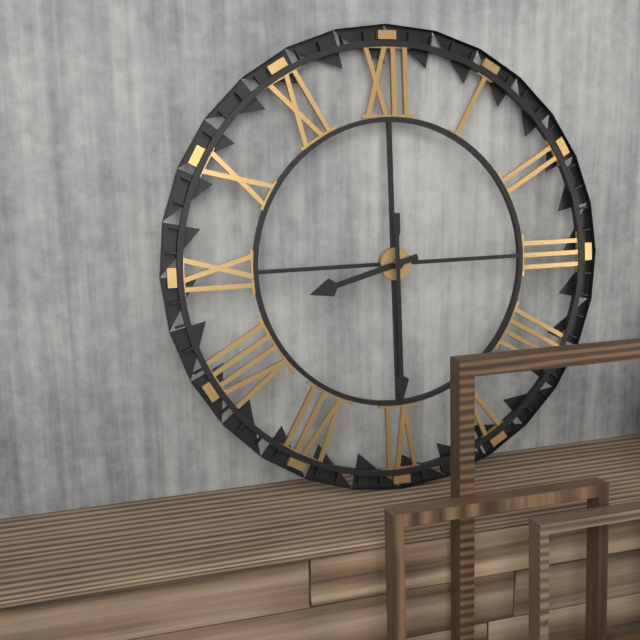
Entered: 8.30
